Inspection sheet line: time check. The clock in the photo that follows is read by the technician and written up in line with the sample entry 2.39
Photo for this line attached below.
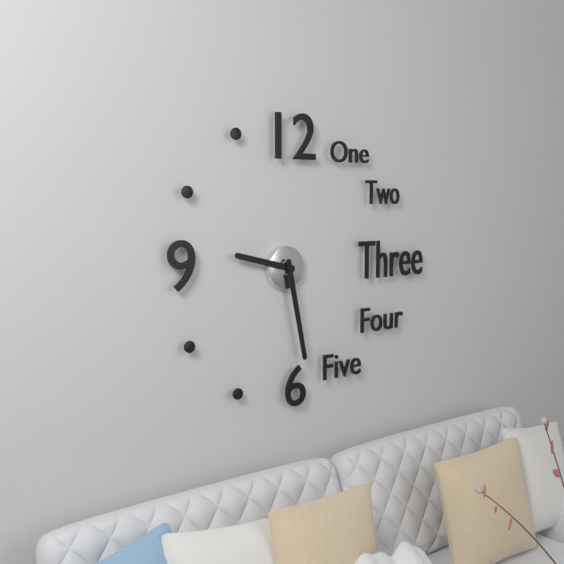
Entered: 9.28
